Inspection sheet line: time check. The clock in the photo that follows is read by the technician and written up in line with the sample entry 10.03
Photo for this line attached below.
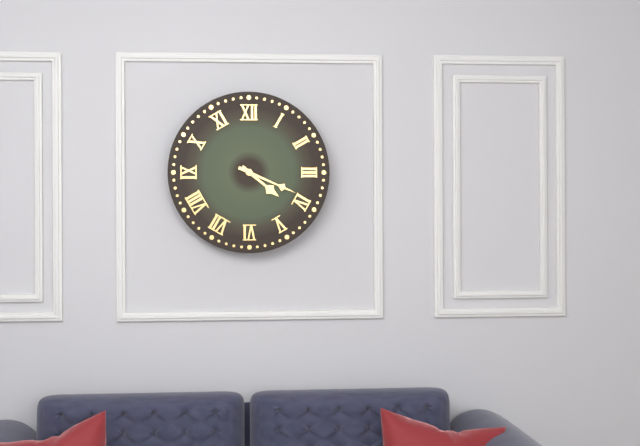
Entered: 4.19
